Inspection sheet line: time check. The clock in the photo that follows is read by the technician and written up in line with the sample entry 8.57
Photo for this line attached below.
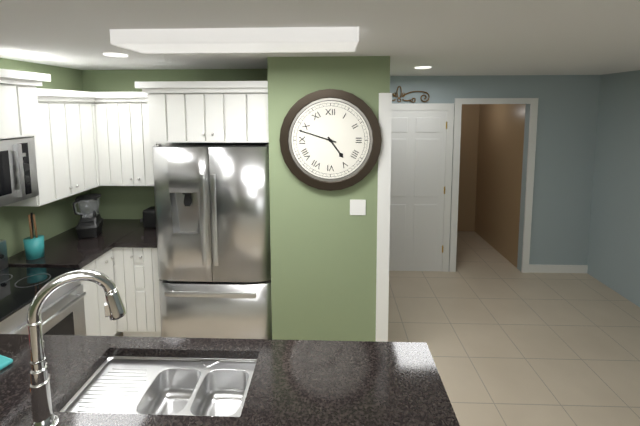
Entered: 4.48
